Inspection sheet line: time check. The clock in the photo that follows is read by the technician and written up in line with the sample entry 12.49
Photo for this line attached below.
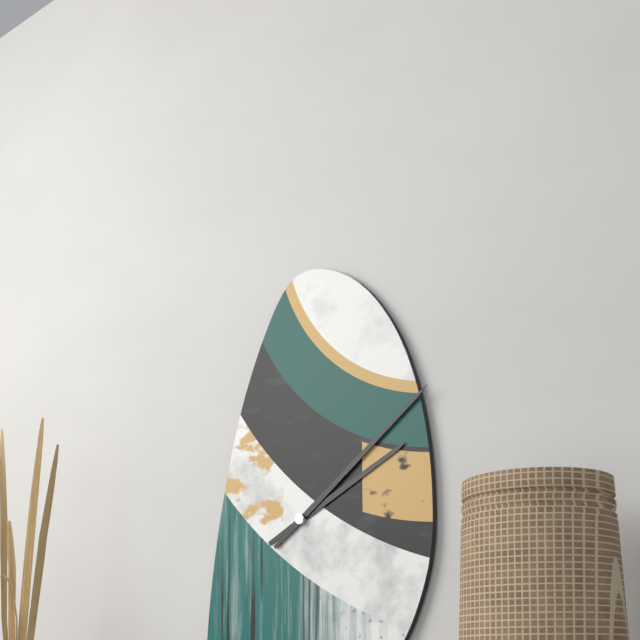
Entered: 2.09
